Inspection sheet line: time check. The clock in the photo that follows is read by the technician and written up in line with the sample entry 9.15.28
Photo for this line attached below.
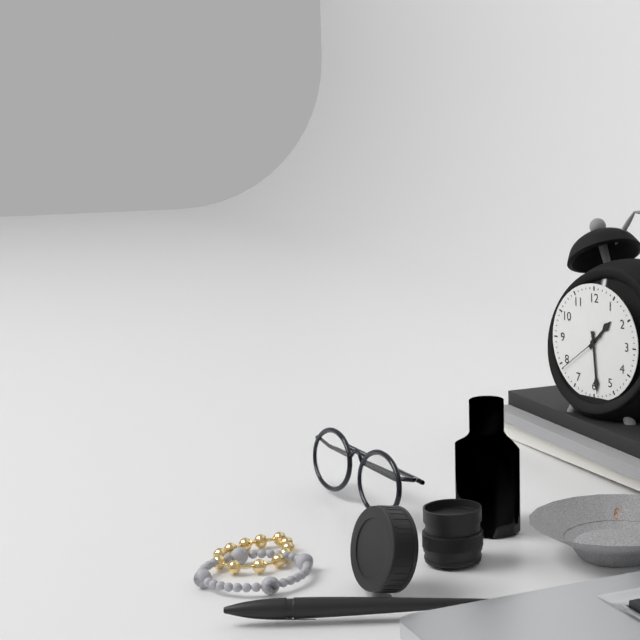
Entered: 1.29.39
